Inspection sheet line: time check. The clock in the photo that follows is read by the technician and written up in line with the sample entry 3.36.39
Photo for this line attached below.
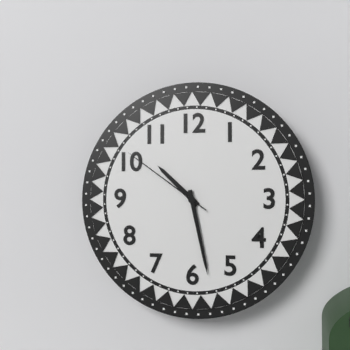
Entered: 10.28.51
